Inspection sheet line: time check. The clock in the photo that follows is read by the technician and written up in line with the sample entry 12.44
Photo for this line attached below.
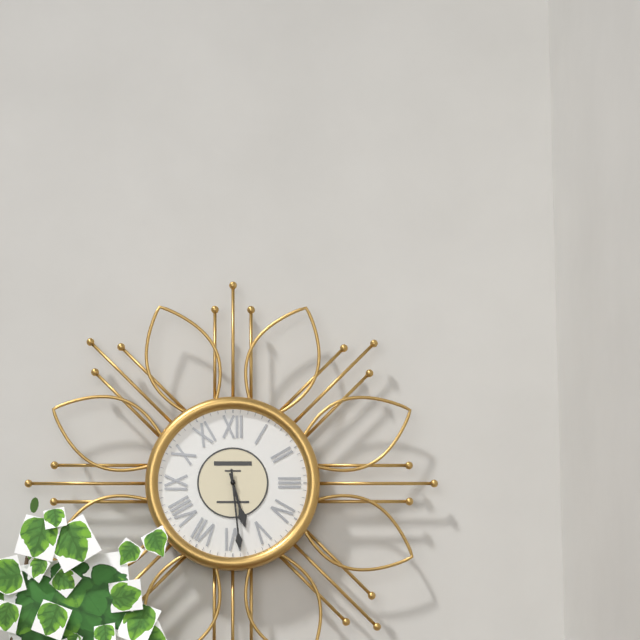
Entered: 5.29
